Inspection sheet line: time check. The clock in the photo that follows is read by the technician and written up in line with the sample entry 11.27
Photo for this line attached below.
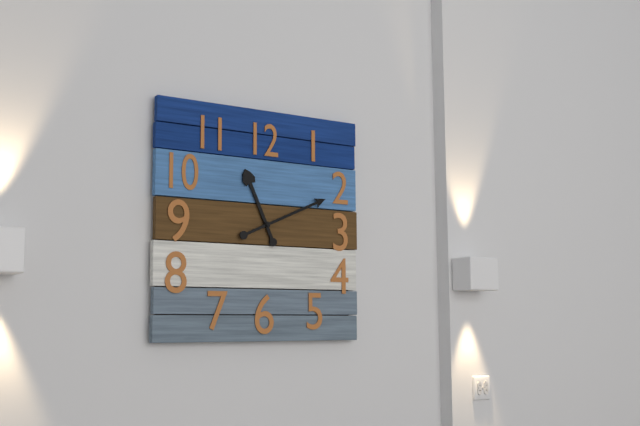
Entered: 11.11
